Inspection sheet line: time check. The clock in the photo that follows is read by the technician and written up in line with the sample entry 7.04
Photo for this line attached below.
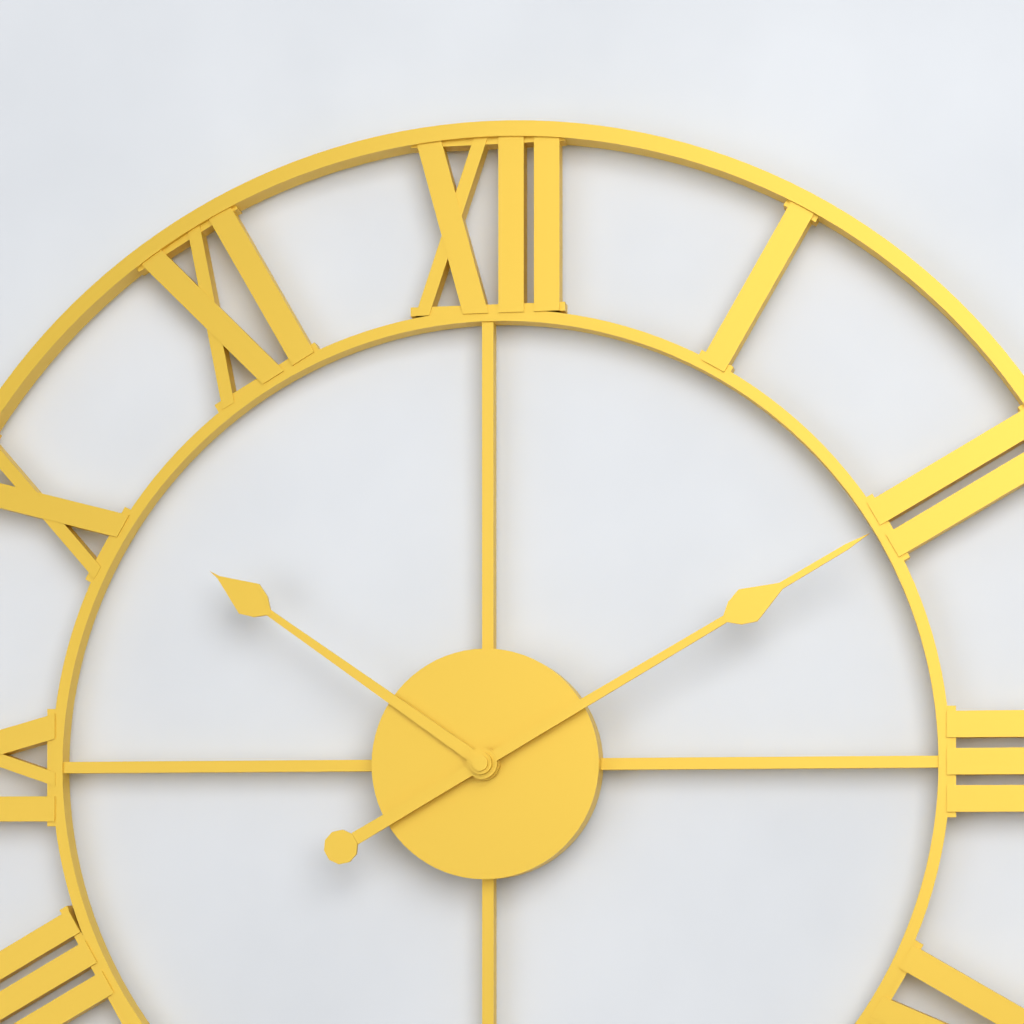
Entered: 10.10
